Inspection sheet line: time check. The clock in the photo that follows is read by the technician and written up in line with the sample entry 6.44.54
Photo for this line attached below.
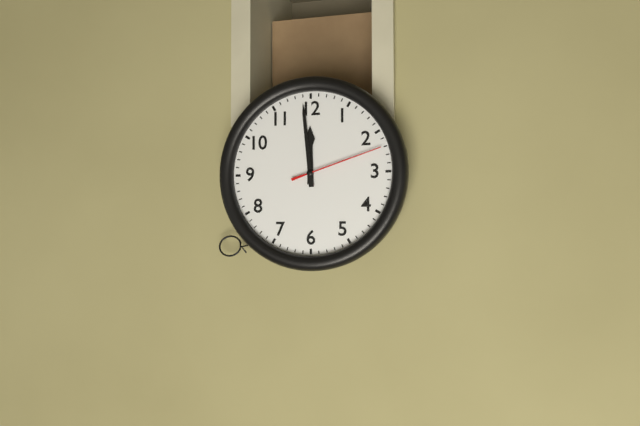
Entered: 11.59.12
